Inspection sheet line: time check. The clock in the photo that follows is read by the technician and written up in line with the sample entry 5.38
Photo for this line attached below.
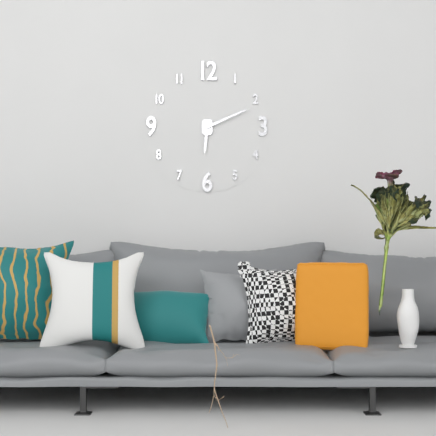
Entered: 6.11
